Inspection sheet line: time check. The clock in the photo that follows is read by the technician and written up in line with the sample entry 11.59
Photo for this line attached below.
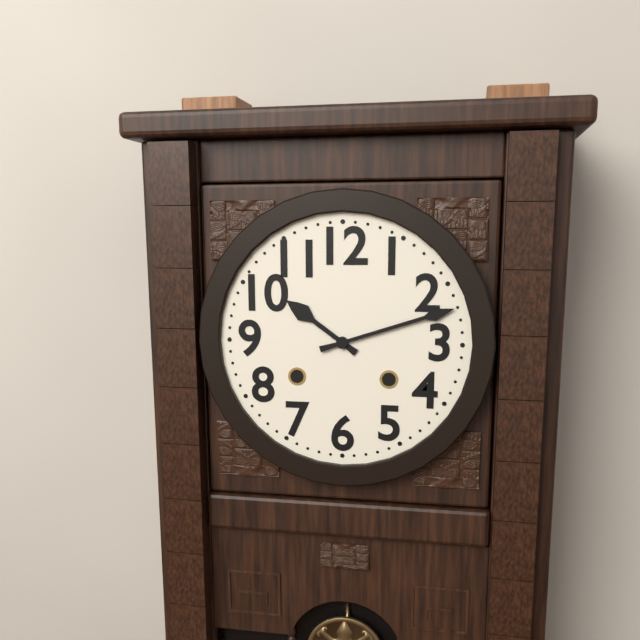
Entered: 10.12
